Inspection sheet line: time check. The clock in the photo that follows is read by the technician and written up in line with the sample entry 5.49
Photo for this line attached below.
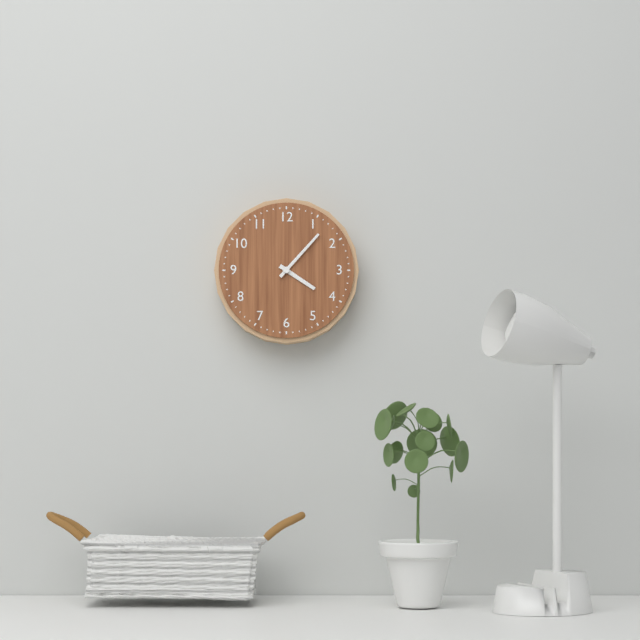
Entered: 4.07
